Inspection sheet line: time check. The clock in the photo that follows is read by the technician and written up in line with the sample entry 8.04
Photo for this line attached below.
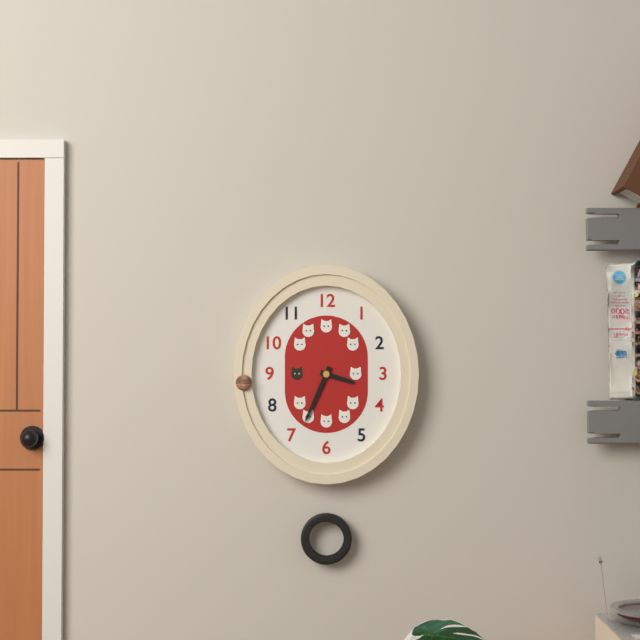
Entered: 3.34
